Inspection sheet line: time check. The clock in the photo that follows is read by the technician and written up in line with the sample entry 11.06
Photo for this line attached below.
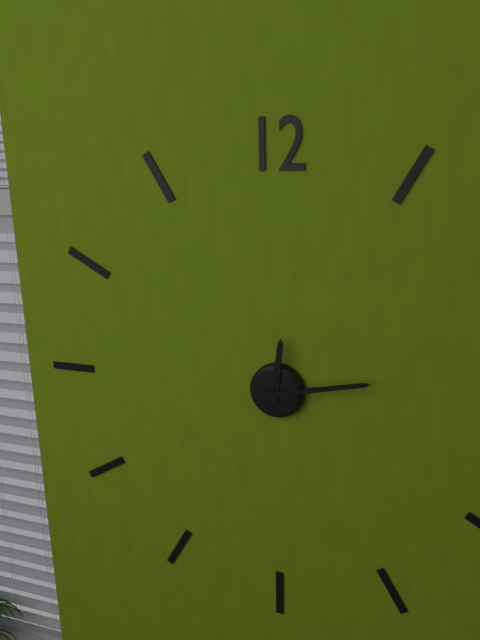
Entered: 12.13
